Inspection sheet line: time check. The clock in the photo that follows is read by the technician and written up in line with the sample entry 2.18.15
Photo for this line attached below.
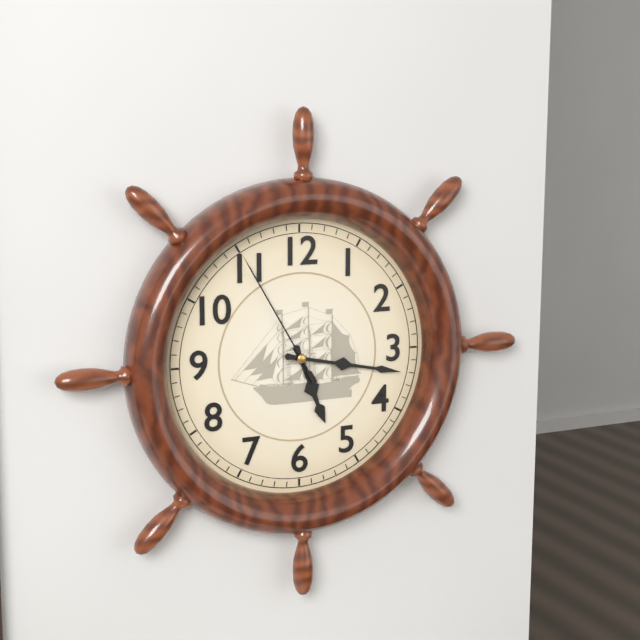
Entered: 5.17.55
